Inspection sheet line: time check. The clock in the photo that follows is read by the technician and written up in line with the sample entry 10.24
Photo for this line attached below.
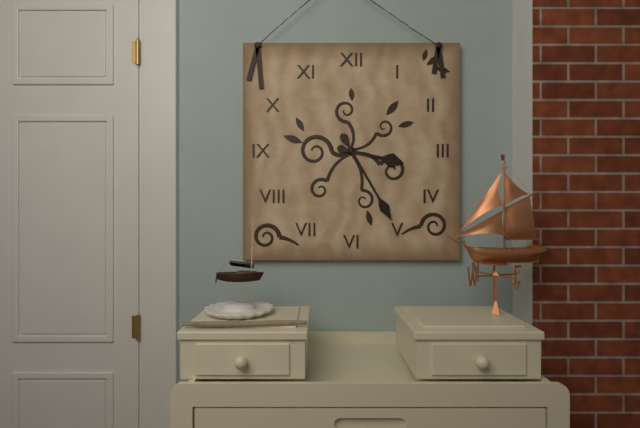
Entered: 3.25
